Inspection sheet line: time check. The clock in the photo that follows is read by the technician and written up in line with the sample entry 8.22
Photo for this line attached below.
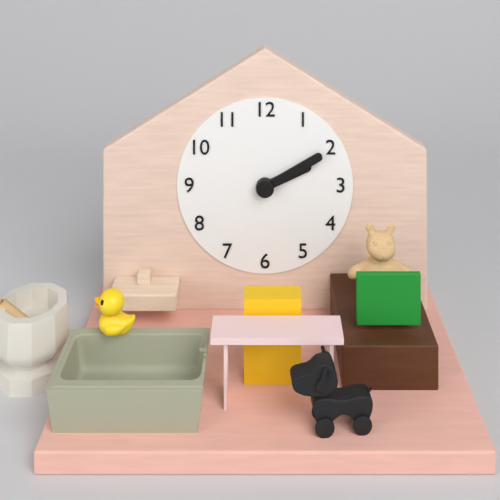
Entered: 2.10
